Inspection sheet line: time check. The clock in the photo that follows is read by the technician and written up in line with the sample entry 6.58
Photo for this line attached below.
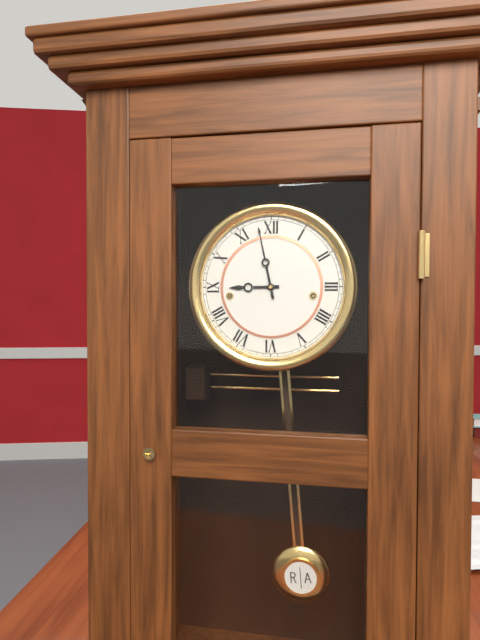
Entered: 8.58
